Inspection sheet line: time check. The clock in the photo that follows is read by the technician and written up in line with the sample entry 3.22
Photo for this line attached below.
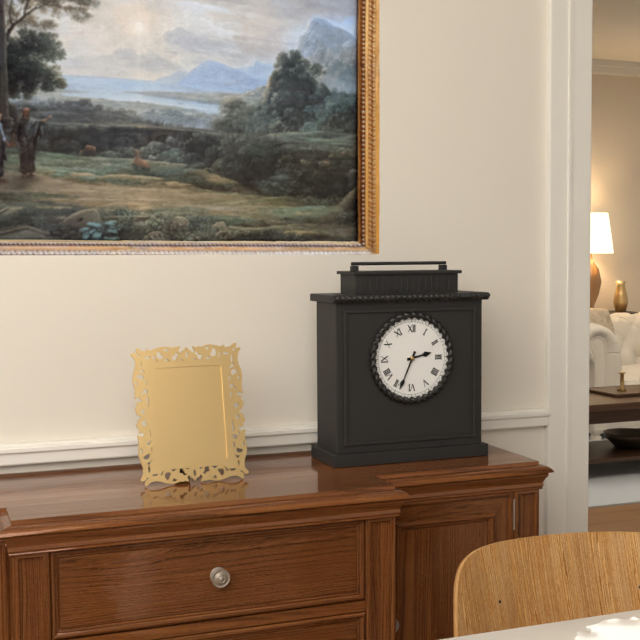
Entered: 2.34
